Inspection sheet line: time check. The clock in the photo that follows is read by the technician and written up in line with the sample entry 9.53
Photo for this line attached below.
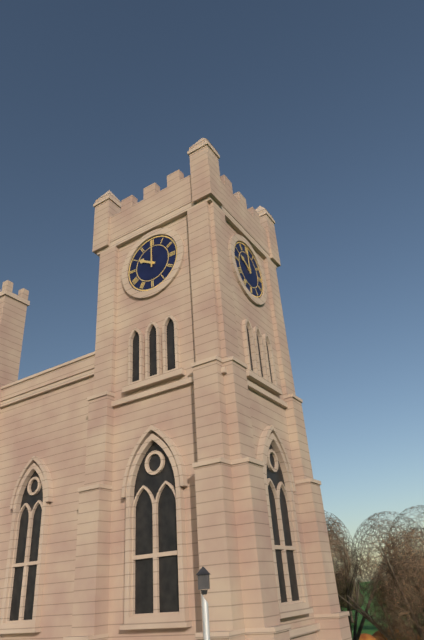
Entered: 10.00
